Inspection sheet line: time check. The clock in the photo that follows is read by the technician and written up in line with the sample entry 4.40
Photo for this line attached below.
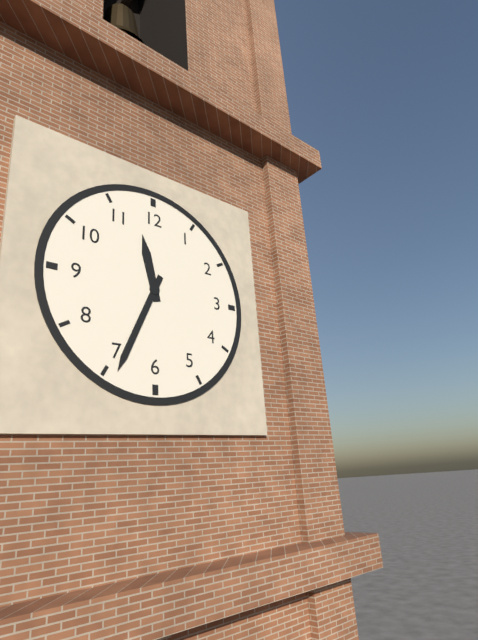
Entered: 11.34
